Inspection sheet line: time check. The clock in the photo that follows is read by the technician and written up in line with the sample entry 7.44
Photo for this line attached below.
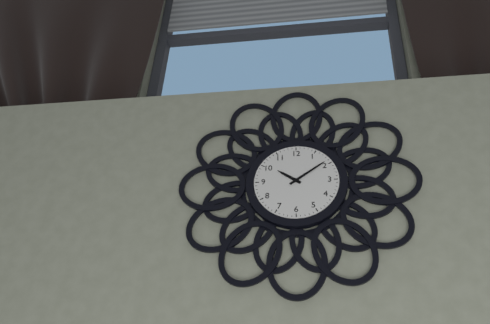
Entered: 10.09
